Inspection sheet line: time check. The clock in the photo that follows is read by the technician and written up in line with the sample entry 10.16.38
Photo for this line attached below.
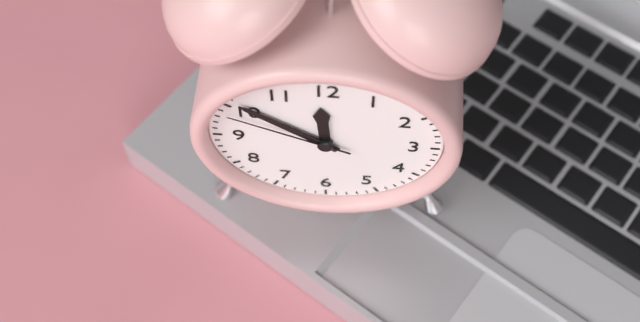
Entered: 11.51.49
